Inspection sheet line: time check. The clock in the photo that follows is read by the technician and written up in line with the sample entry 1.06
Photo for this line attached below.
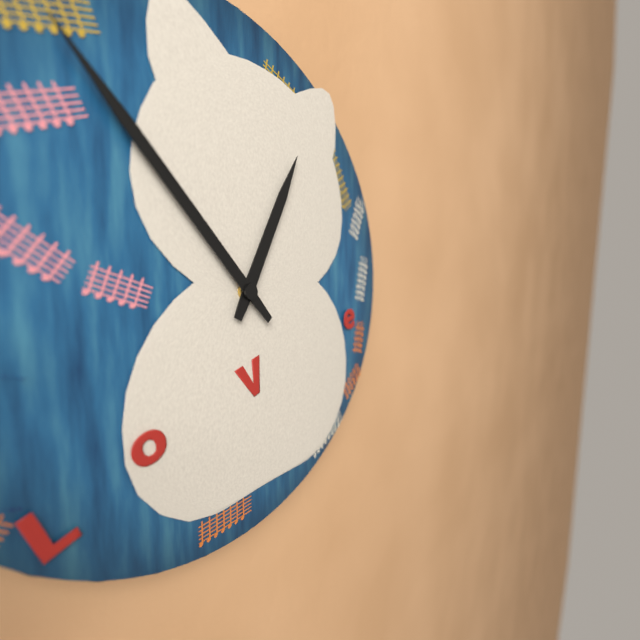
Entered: 12.53
